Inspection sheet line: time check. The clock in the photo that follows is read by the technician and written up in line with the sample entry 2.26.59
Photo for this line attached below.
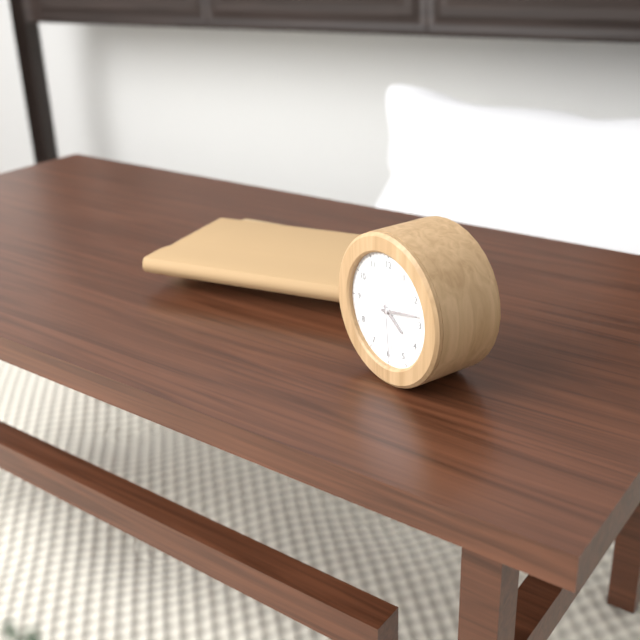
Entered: 4.13.29
